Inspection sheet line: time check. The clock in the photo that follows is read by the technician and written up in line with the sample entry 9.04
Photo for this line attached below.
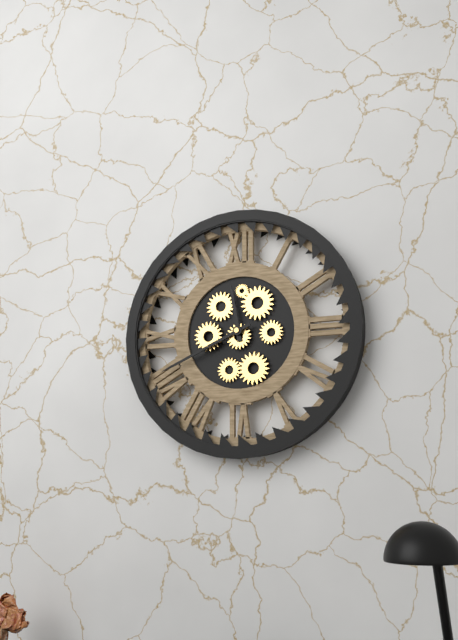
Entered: 11.41
